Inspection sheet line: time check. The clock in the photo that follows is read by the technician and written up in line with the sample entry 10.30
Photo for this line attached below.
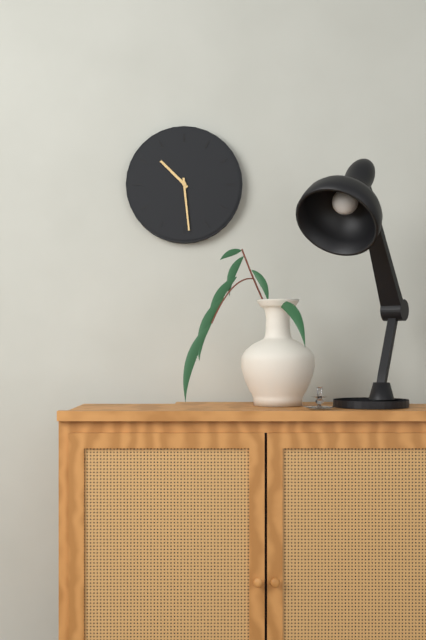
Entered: 10.29
